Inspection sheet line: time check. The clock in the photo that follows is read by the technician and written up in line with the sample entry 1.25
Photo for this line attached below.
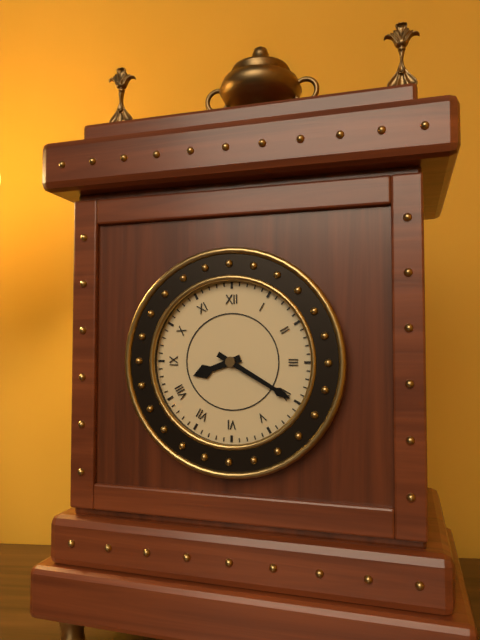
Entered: 8.20
